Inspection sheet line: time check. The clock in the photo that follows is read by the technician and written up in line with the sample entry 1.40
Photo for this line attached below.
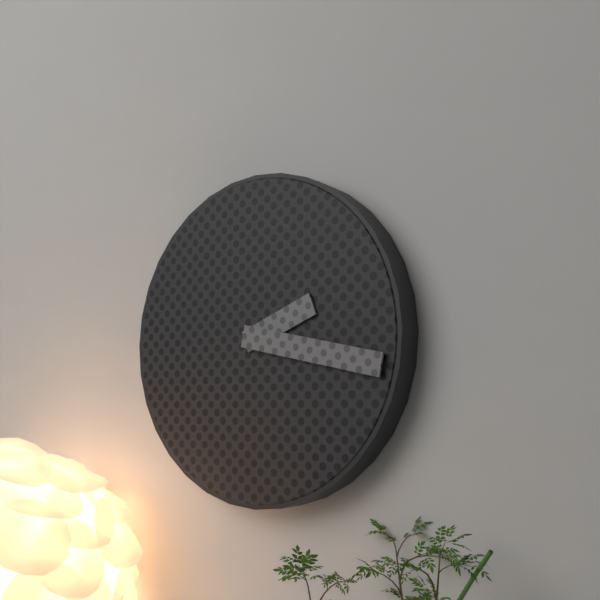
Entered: 2.17
